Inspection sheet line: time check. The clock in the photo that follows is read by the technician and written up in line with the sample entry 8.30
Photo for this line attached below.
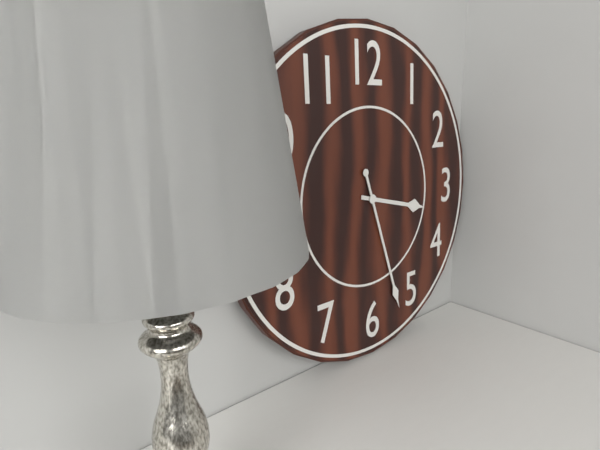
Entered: 3.27
